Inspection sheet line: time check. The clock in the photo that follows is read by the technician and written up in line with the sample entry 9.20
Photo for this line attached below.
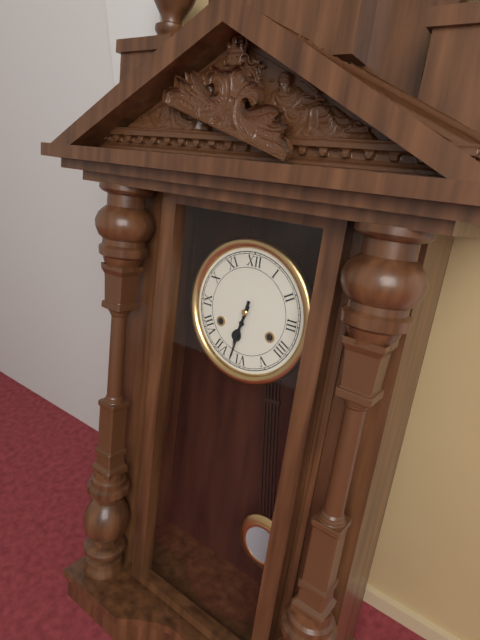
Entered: 6.32
